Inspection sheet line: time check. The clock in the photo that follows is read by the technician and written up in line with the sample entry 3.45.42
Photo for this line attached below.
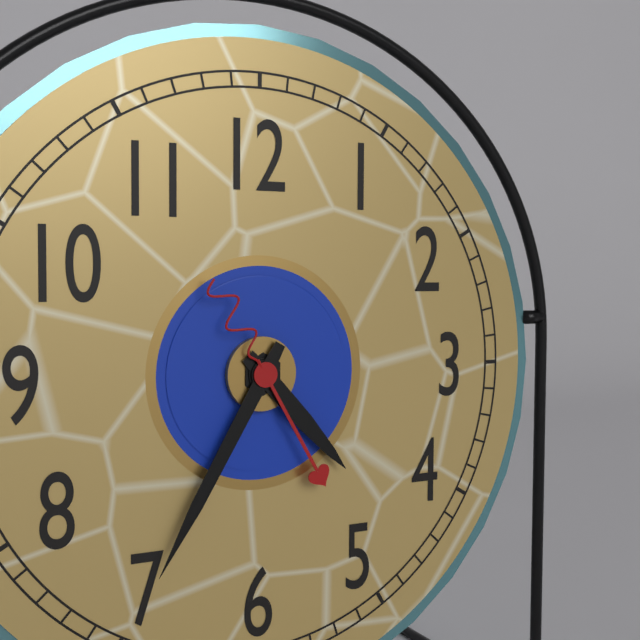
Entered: 4.35.25
